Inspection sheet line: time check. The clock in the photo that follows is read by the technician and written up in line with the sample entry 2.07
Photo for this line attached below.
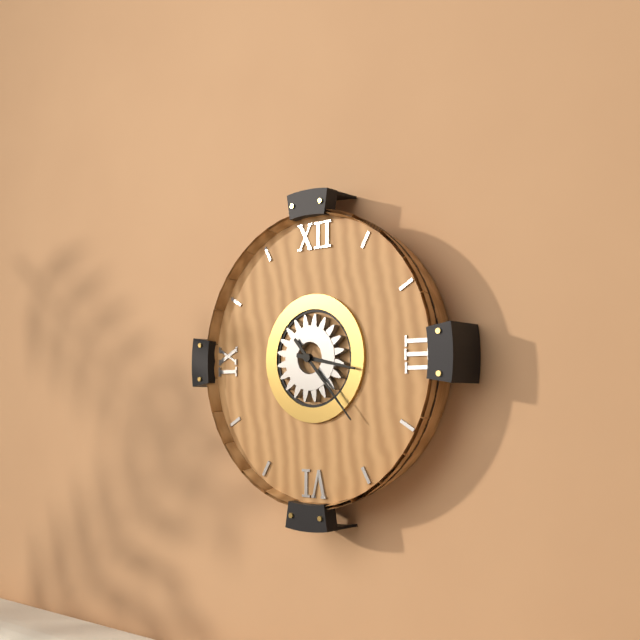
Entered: 3.23
